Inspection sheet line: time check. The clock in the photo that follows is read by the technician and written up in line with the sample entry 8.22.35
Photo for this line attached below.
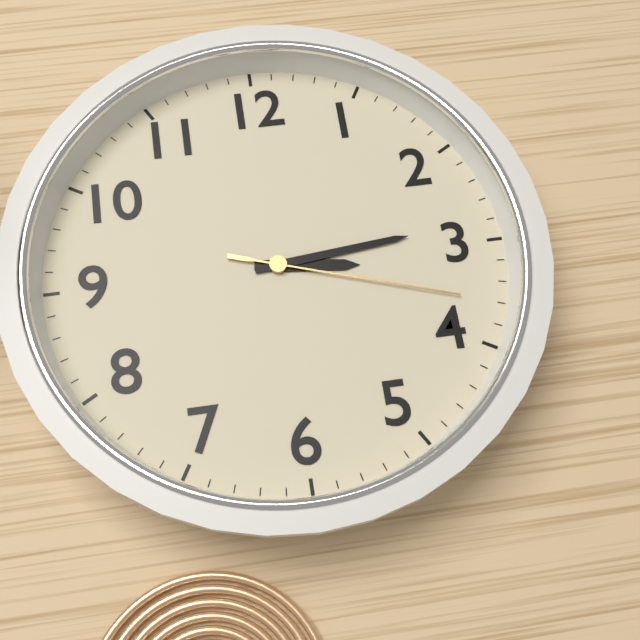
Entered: 3.14.18
